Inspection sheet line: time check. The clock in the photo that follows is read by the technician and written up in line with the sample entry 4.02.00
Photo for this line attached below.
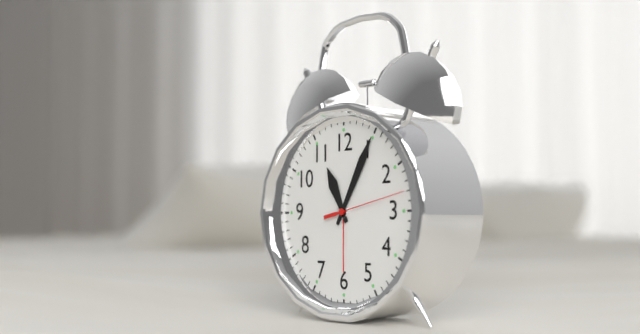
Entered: 11.05.13
